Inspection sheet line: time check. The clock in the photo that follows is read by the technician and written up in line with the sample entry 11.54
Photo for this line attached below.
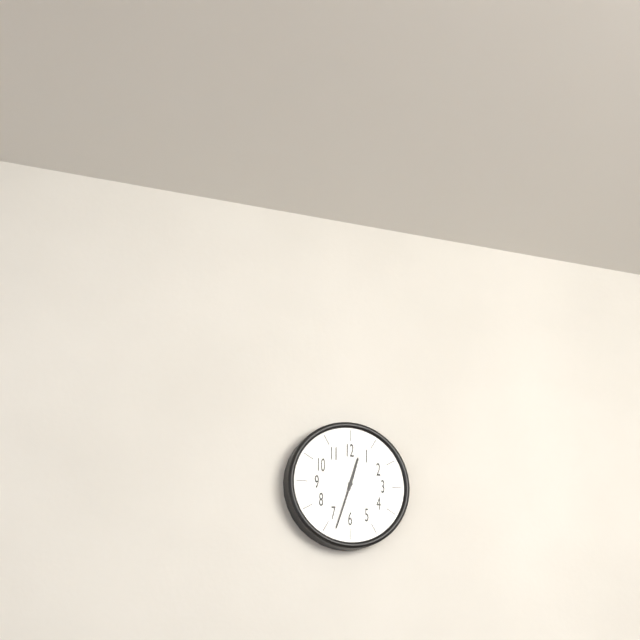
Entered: 12.33
